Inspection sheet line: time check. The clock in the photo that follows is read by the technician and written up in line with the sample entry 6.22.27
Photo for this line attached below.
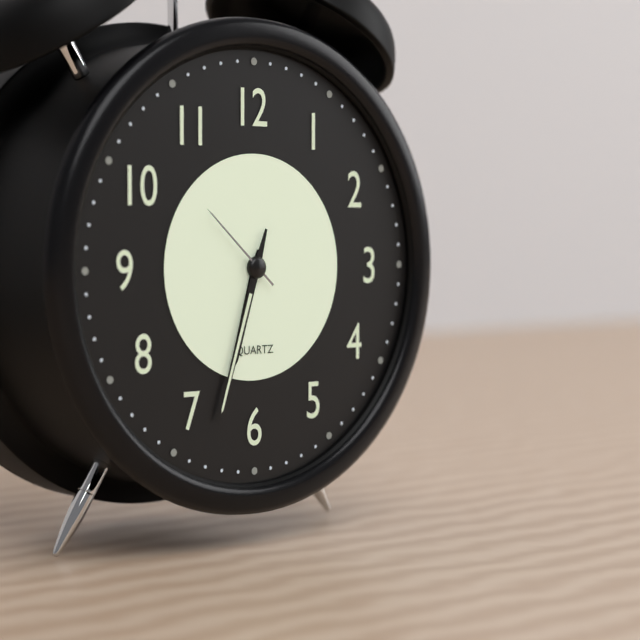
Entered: 6.33.52
